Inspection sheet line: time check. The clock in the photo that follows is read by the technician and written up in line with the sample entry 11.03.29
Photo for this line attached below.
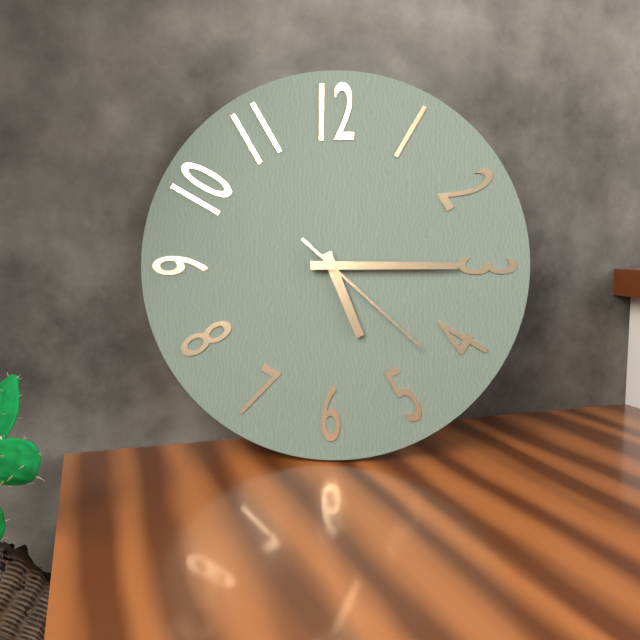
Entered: 5.15.22
